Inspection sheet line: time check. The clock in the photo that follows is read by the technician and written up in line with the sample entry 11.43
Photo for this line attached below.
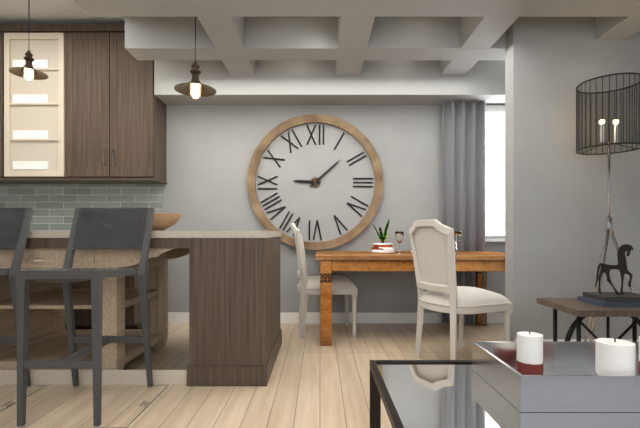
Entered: 9.08
